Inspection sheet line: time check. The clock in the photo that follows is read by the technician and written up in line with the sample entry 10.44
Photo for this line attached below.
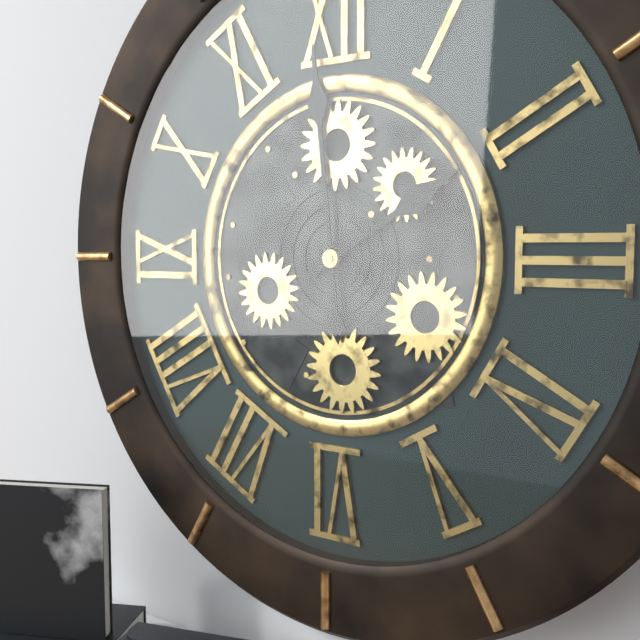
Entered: 1.59
